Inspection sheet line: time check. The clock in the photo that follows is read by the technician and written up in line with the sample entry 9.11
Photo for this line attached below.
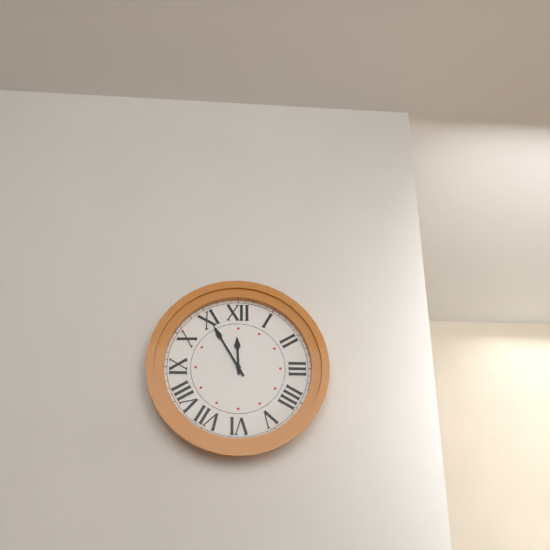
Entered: 11.55
